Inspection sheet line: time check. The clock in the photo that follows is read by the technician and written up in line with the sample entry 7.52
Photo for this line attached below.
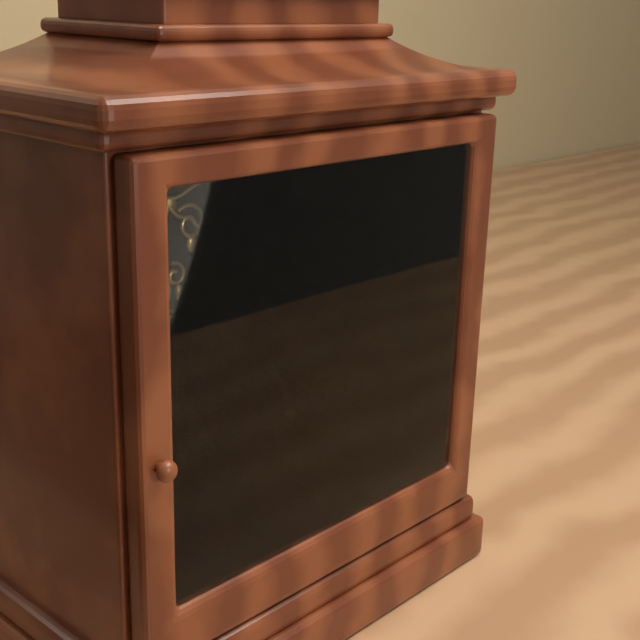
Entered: 10.54
